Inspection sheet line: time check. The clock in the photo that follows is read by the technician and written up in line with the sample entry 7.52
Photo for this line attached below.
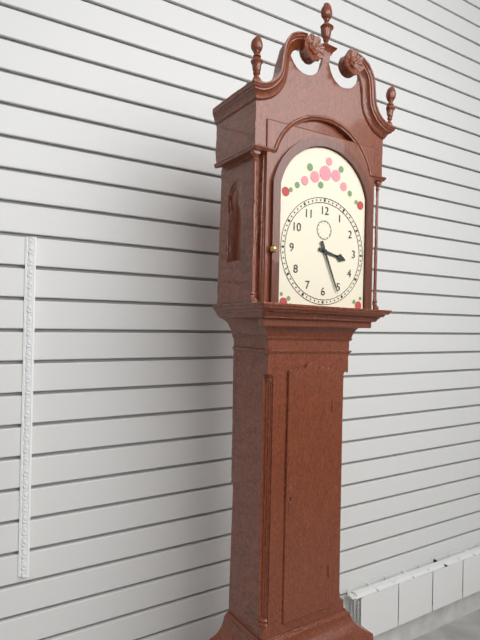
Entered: 3.26
